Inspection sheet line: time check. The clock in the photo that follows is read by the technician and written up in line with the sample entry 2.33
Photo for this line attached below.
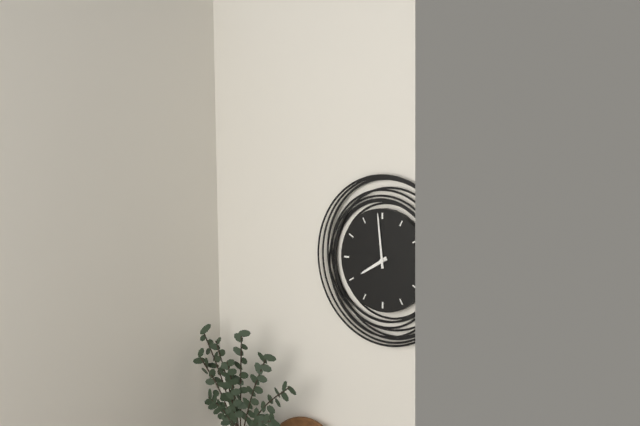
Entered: 7.59
